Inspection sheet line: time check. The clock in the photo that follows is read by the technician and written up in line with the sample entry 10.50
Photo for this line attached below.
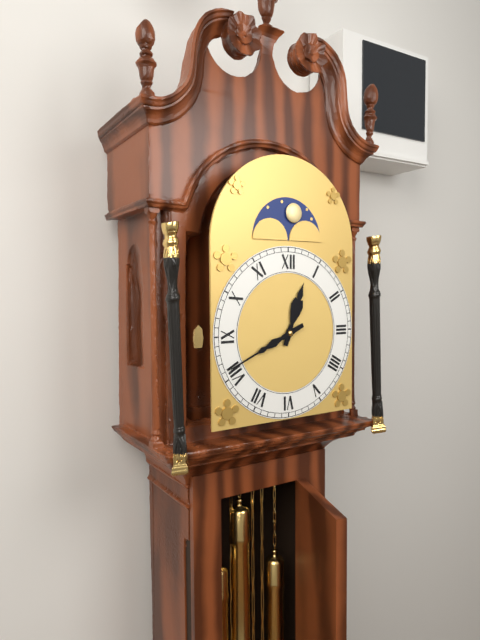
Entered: 12.41
